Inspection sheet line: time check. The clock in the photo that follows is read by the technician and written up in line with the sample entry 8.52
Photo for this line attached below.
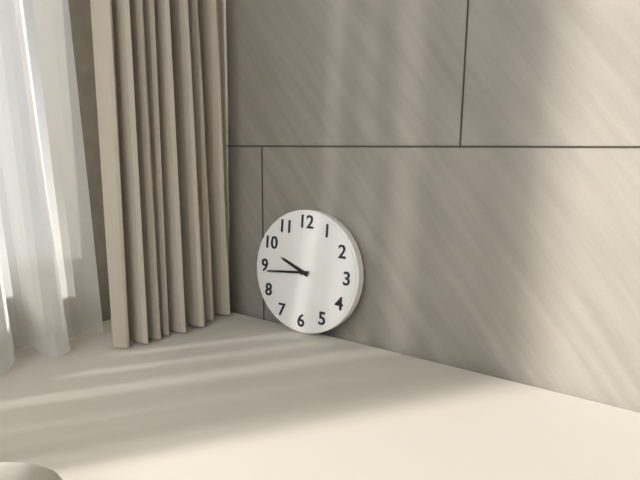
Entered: 9.44
